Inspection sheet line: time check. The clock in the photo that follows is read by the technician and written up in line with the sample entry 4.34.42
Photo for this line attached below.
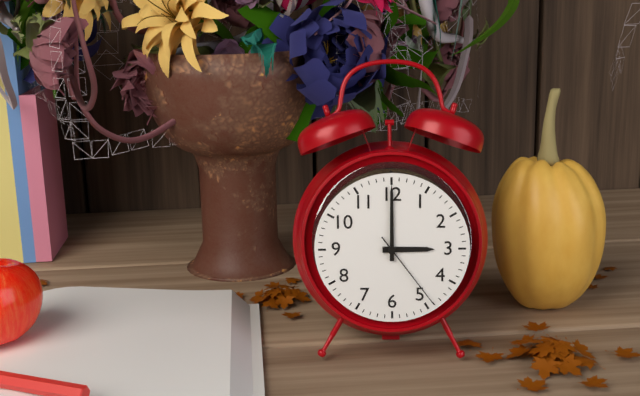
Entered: 3.00.24
